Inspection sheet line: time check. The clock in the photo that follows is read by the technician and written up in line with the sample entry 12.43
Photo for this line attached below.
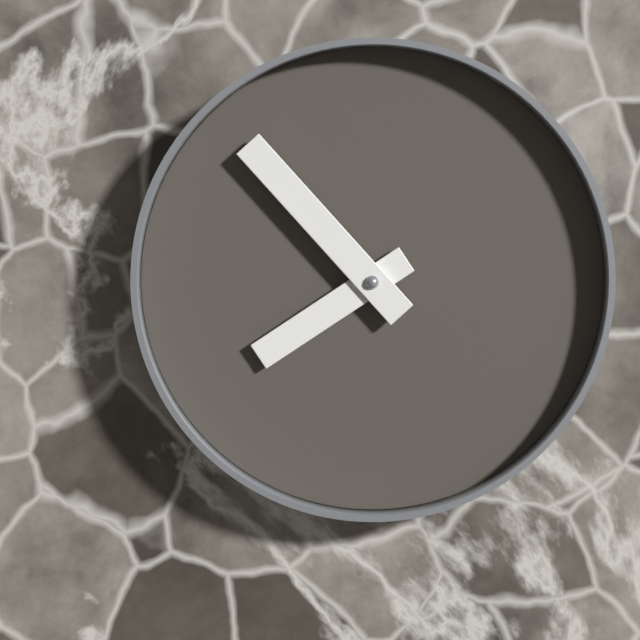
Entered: 7.53
